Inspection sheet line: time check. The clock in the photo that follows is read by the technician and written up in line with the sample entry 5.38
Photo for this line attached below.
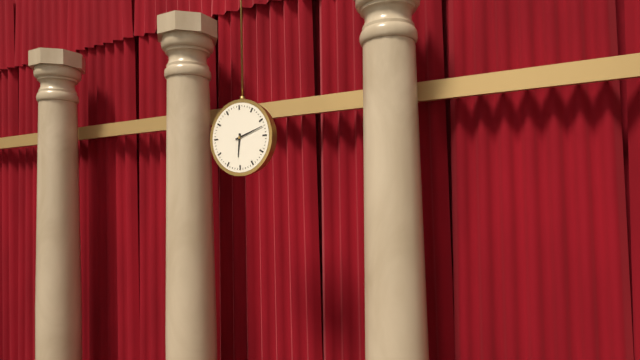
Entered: 6.12
